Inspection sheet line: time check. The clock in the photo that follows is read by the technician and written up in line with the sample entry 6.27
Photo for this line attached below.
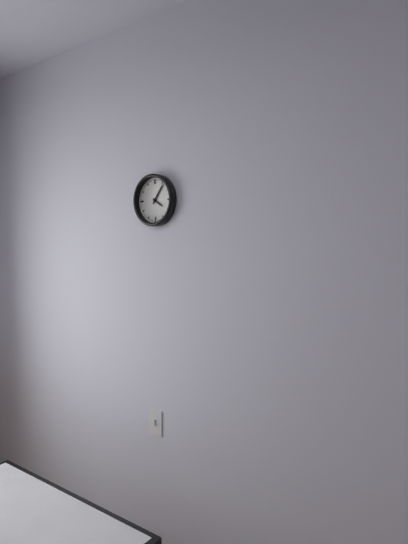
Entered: 4.06
